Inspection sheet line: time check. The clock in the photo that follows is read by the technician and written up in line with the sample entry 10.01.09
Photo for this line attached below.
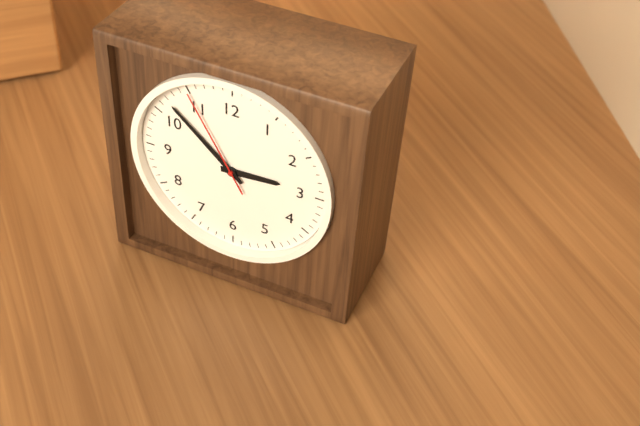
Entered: 2.52.55
